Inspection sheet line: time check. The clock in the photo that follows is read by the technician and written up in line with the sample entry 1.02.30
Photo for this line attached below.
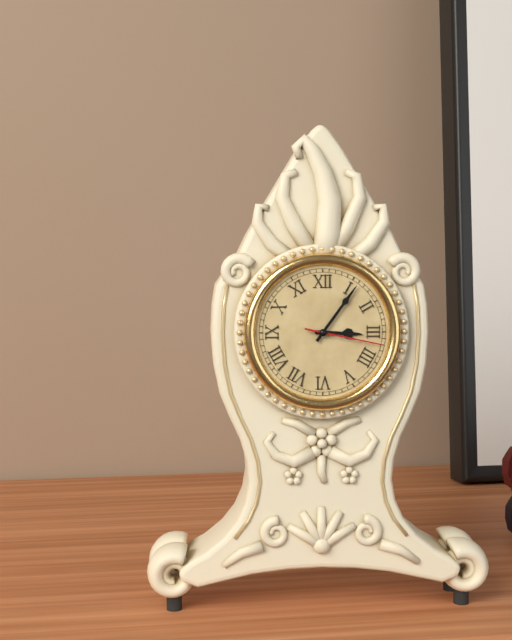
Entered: 3.06.17
